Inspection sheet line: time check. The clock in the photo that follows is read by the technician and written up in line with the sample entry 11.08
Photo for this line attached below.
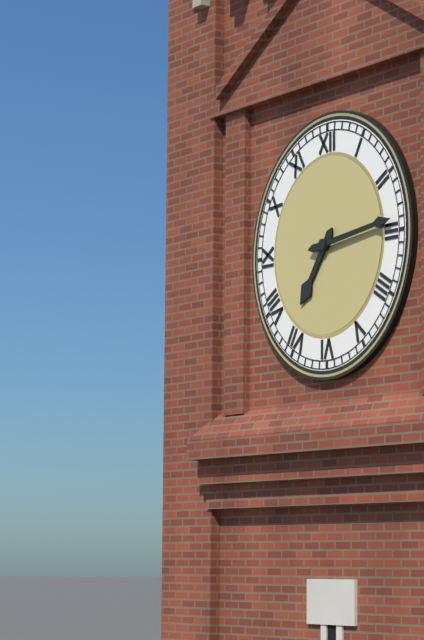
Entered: 7.14
